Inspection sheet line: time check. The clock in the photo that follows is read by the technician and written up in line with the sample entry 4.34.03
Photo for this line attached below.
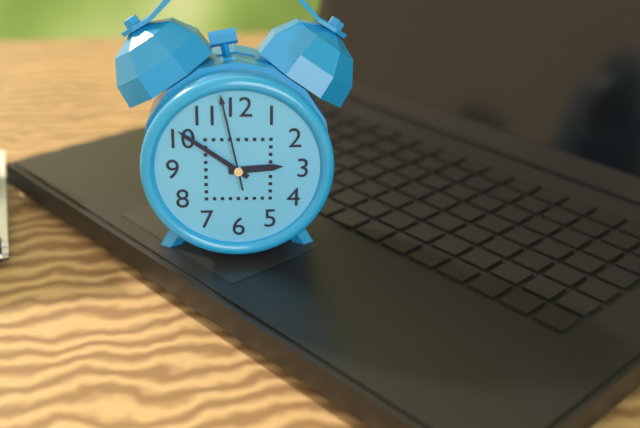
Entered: 2.51.58
